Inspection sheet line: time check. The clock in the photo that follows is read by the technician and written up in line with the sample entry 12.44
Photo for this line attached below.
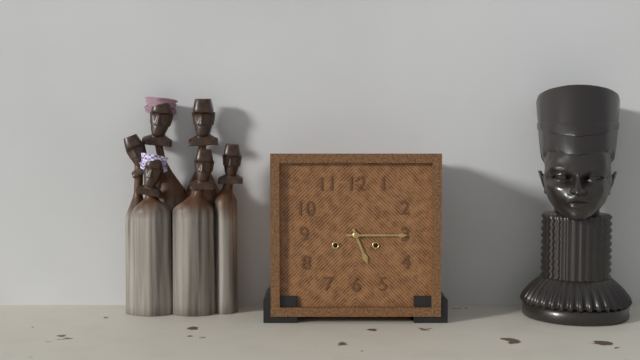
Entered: 5.15
